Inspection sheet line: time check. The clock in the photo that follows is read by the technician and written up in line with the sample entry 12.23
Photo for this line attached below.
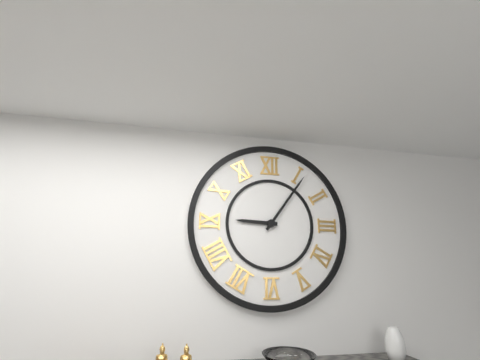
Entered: 9.06
